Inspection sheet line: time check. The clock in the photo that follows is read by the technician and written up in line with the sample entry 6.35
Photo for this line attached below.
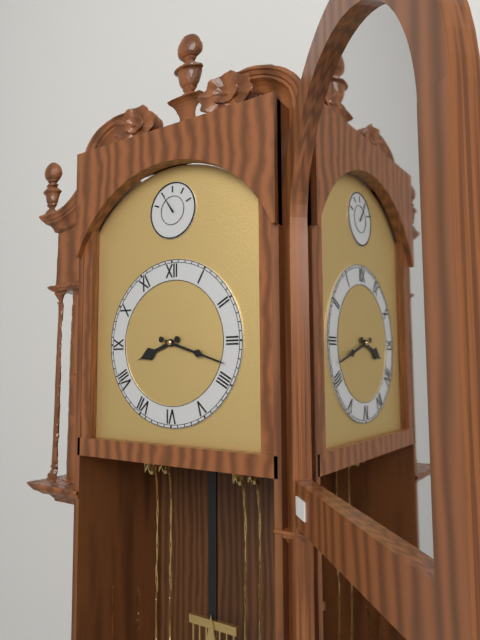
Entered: 8.18
